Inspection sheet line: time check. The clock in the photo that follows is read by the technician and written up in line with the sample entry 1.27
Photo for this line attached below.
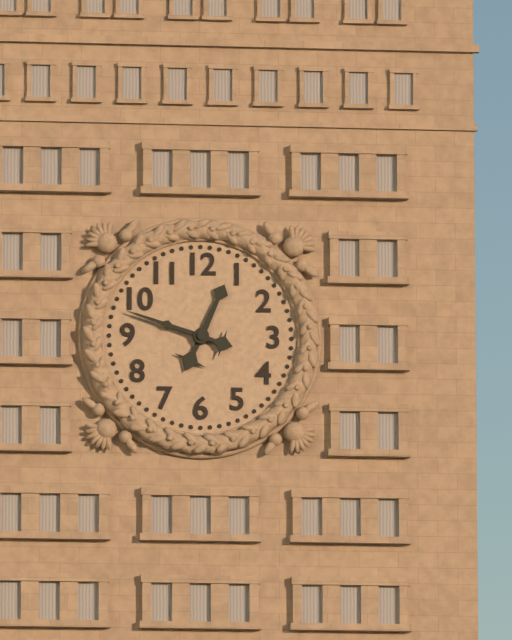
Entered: 12.48
